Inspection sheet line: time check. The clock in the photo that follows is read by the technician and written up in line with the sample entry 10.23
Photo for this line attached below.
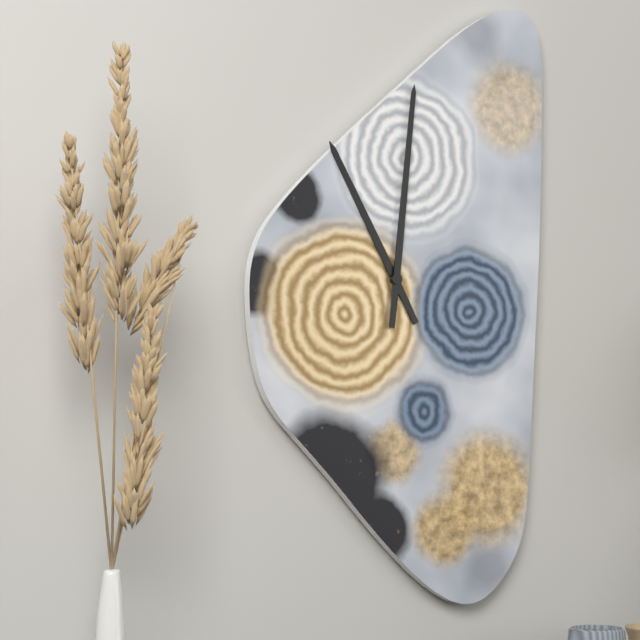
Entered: 11.01
